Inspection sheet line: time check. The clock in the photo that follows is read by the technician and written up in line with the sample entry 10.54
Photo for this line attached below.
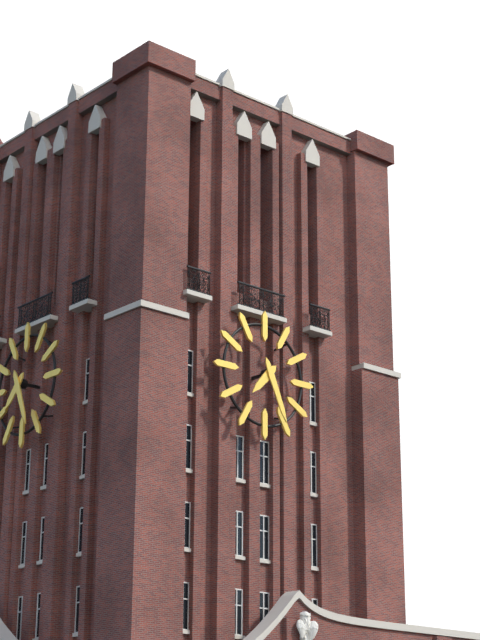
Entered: 7.26
